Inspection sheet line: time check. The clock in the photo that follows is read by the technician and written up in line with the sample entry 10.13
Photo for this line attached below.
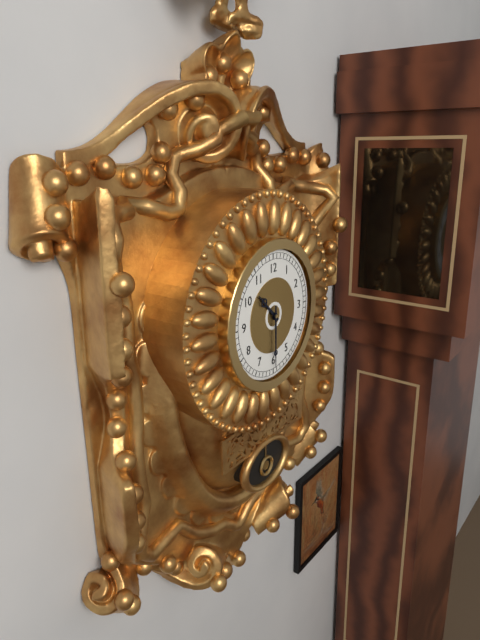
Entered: 10.30
